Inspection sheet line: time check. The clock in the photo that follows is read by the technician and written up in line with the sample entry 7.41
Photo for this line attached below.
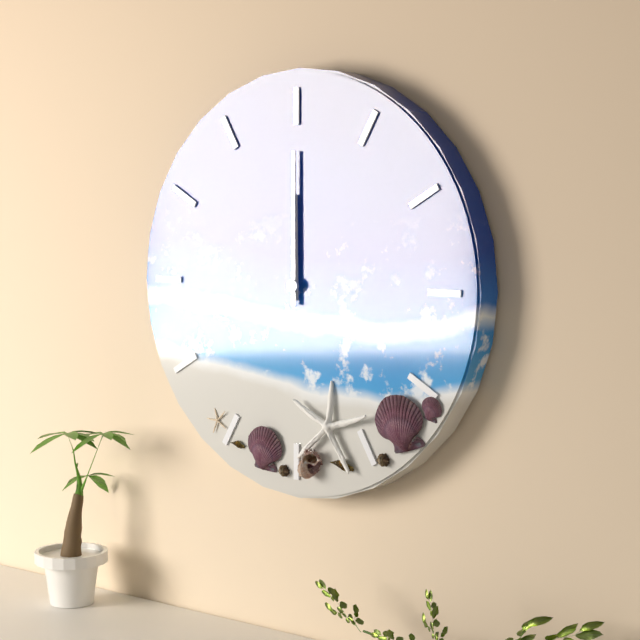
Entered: 12.00
